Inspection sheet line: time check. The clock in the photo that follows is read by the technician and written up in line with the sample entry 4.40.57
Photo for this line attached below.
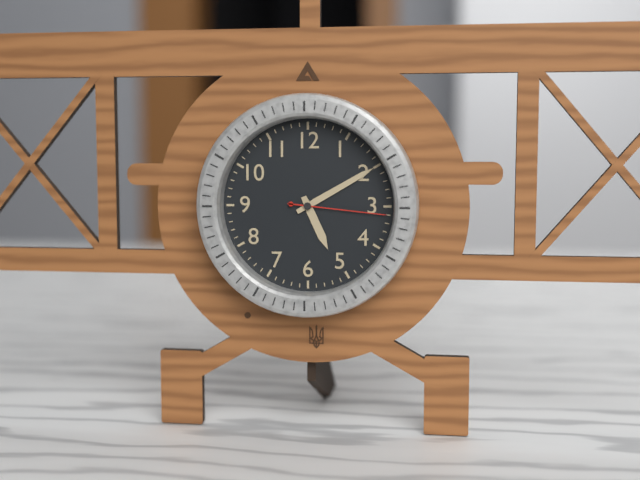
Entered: 5.10.16
